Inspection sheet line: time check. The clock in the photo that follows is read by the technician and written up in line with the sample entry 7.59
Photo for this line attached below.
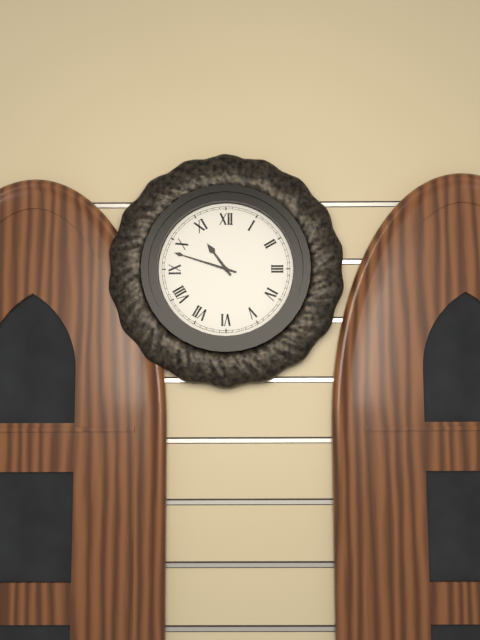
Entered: 10.48
